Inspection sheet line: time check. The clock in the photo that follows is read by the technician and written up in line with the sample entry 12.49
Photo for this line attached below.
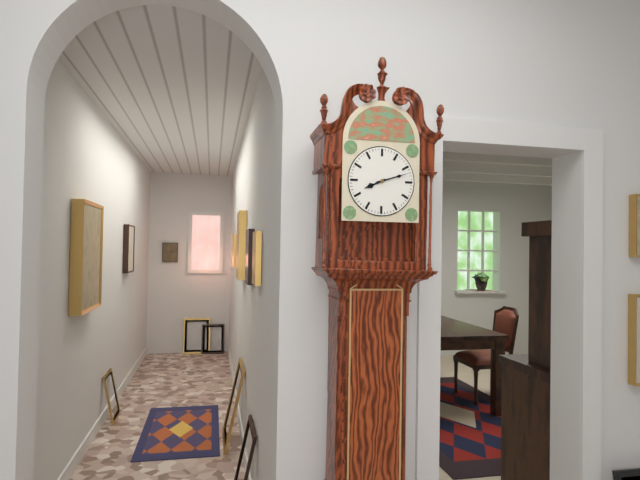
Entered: 8.12
